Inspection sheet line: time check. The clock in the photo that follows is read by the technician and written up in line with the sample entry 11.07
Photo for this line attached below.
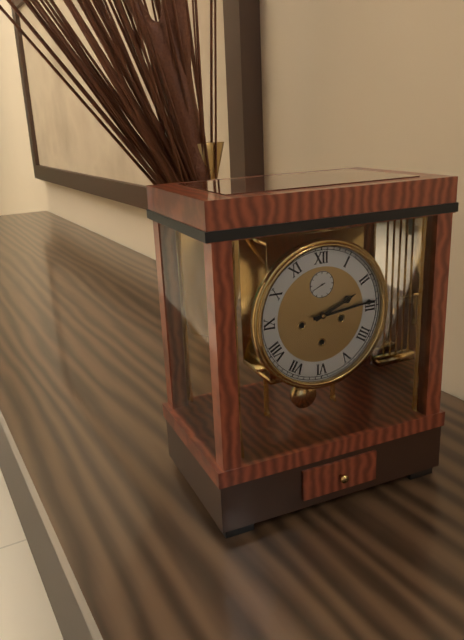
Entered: 2.14
